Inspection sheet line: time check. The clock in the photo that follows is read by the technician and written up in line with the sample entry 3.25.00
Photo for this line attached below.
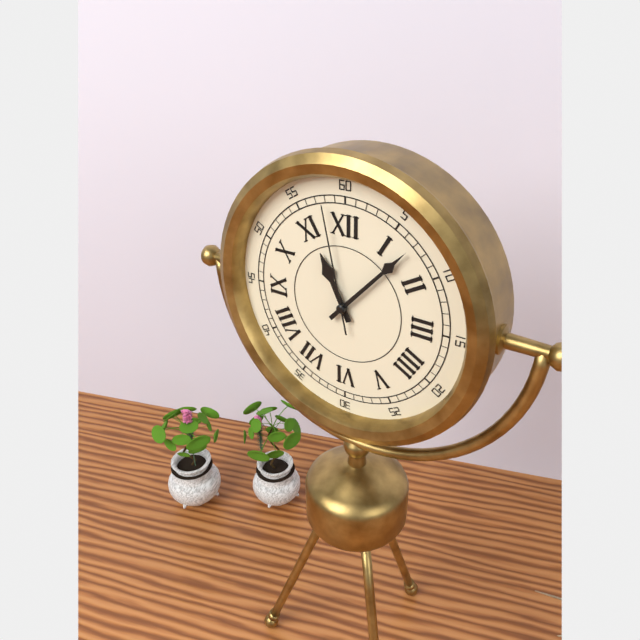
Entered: 11.07.58
